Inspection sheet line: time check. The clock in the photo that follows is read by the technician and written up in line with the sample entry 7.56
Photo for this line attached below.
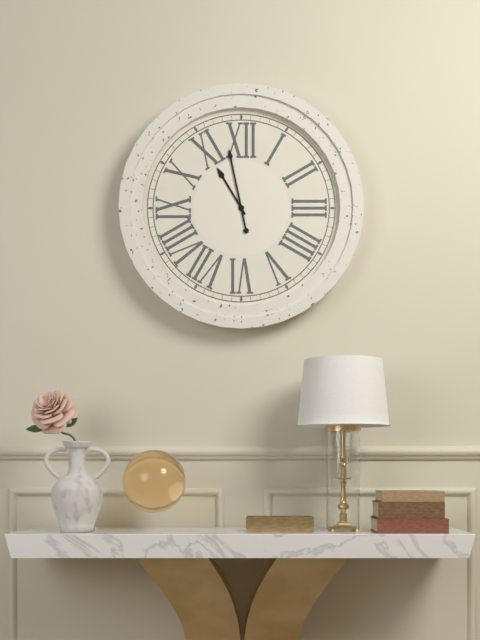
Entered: 10.58
